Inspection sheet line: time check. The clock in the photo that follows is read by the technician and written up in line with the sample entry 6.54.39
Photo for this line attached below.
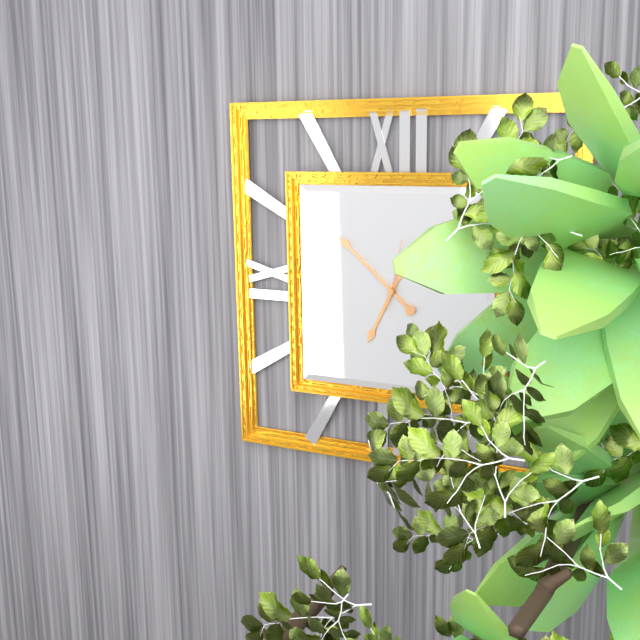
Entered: 6.52.02
